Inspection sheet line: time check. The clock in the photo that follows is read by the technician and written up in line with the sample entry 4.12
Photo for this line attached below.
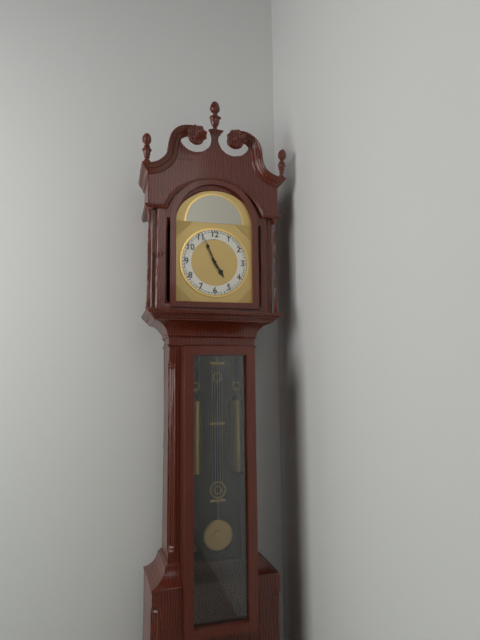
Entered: 4.56
